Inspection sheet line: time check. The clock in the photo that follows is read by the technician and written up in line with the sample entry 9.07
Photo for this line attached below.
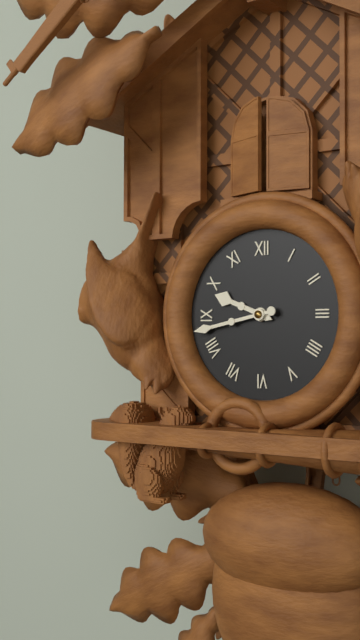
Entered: 9.43
